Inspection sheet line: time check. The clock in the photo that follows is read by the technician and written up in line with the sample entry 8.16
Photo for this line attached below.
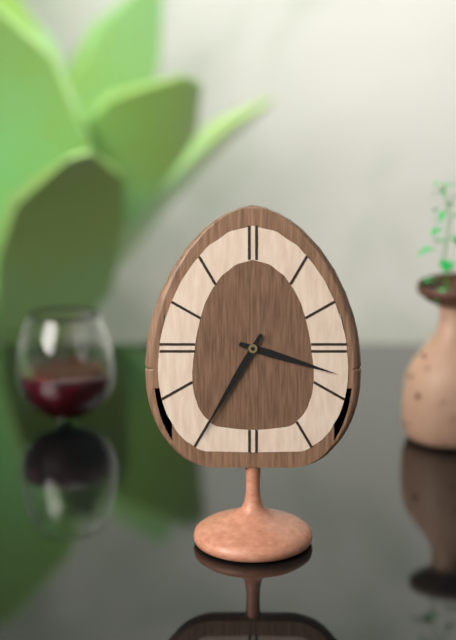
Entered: 3.35
